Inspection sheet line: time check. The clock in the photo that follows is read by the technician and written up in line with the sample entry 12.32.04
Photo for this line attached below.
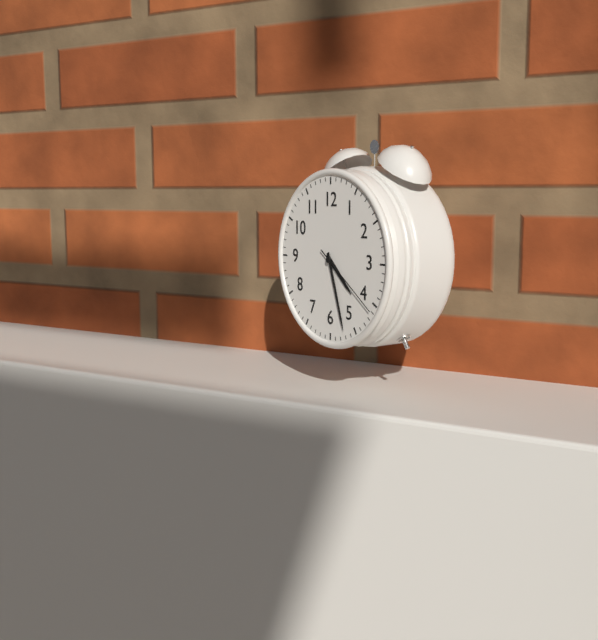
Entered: 4.27.21
